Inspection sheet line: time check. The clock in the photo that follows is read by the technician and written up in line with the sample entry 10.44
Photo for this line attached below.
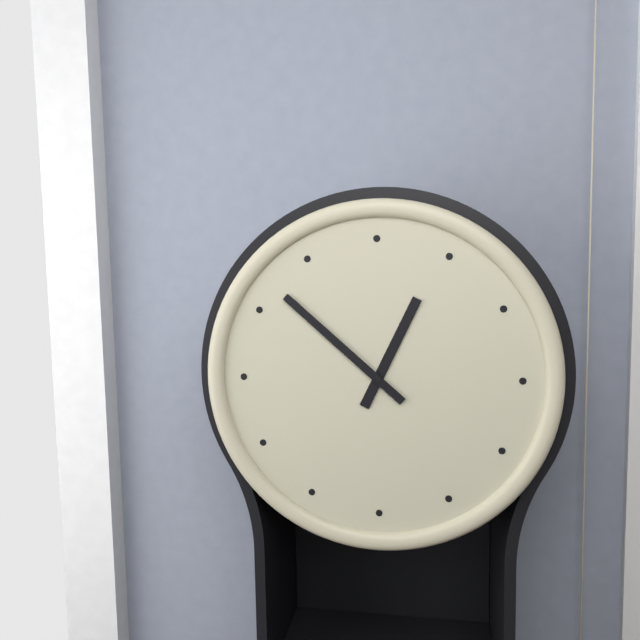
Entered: 12.52
